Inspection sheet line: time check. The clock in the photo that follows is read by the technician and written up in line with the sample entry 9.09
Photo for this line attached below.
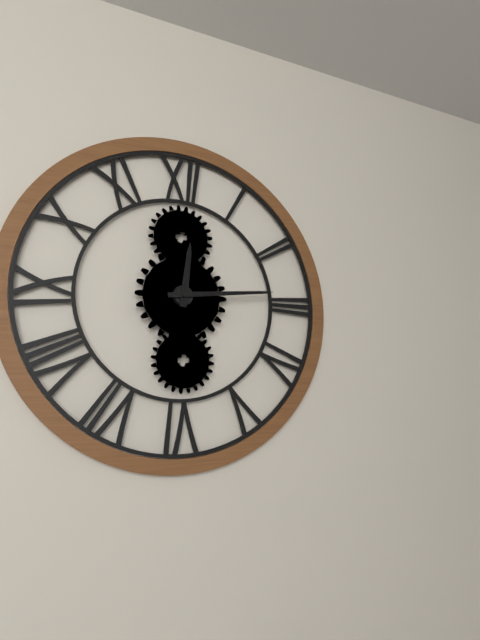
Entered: 12.14
